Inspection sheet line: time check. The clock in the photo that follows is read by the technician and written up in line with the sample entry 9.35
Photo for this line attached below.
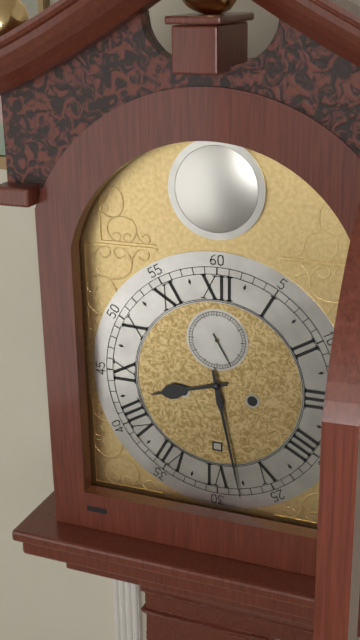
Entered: 8.28
